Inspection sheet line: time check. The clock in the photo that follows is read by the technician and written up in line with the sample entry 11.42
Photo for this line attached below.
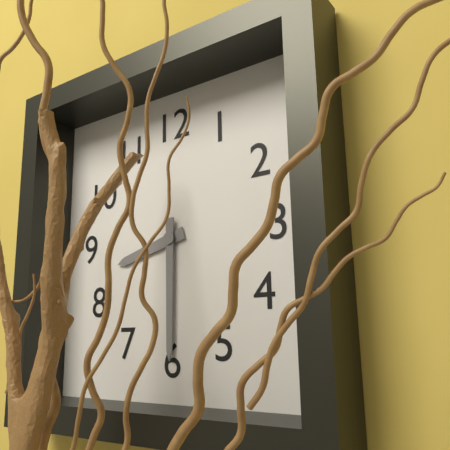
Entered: 8.30
